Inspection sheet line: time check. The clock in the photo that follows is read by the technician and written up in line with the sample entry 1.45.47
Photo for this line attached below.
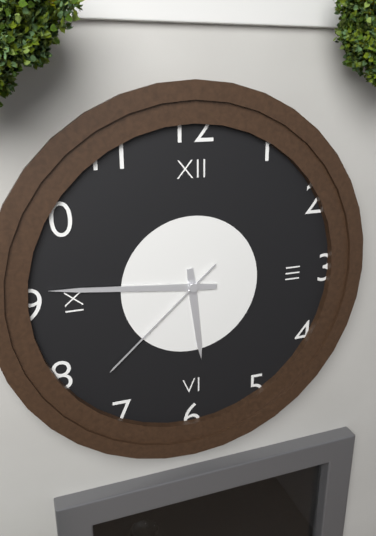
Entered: 5.46.38
